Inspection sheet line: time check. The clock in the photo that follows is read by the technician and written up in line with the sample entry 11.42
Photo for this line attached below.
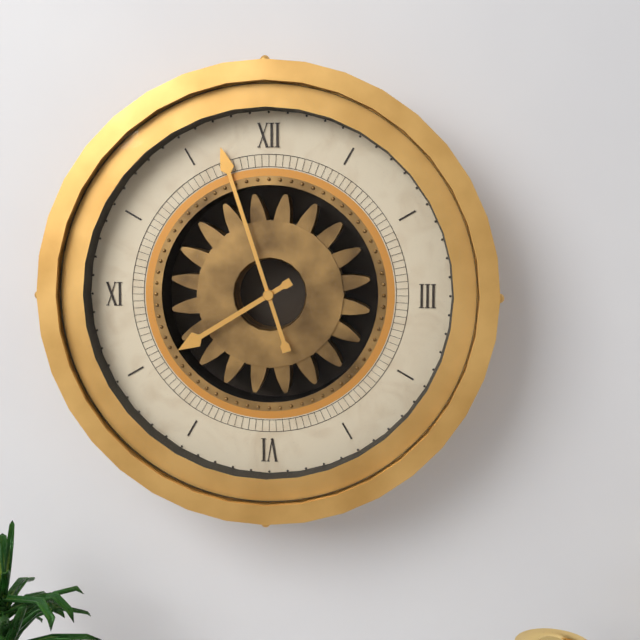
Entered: 7.57
